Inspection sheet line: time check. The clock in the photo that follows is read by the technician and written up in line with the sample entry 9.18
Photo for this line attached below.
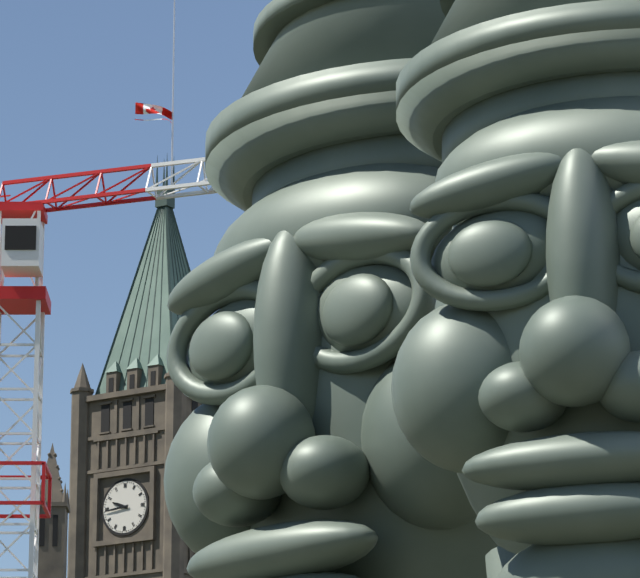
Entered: 9.44
